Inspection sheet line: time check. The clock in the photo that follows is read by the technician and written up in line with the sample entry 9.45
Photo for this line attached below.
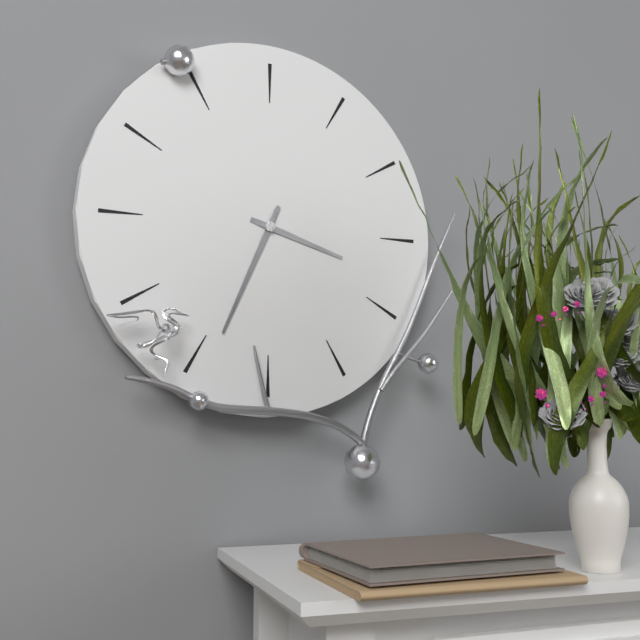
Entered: 3.34
